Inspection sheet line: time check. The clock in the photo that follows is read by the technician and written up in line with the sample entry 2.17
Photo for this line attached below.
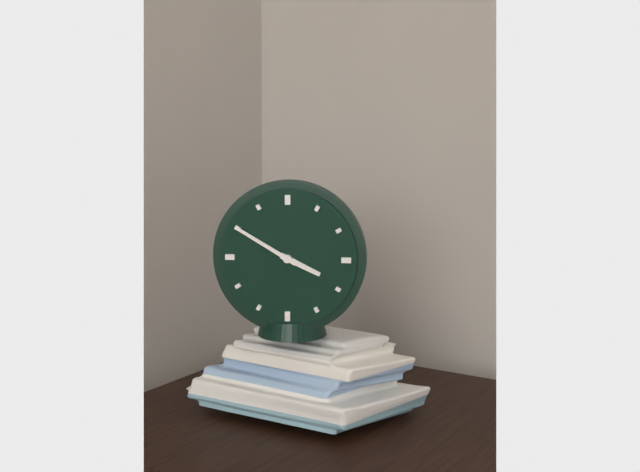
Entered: 3.50
